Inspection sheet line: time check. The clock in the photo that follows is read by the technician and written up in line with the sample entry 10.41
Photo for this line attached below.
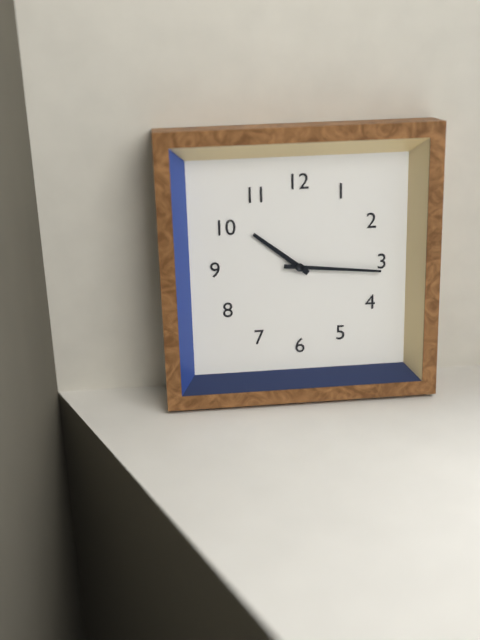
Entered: 10.16
